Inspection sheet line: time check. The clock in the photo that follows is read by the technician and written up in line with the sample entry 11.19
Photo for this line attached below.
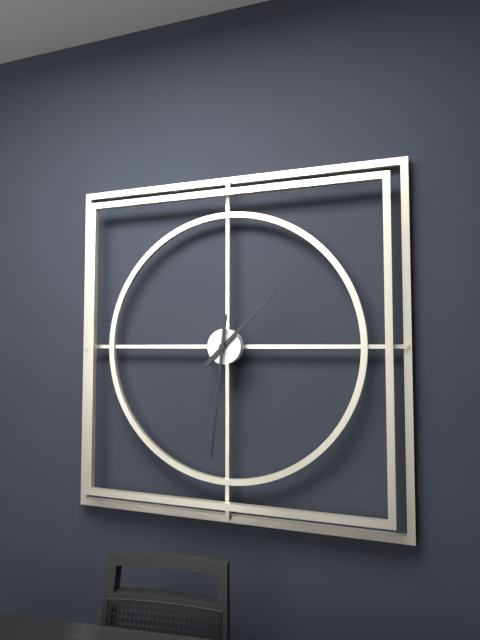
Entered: 1.31
